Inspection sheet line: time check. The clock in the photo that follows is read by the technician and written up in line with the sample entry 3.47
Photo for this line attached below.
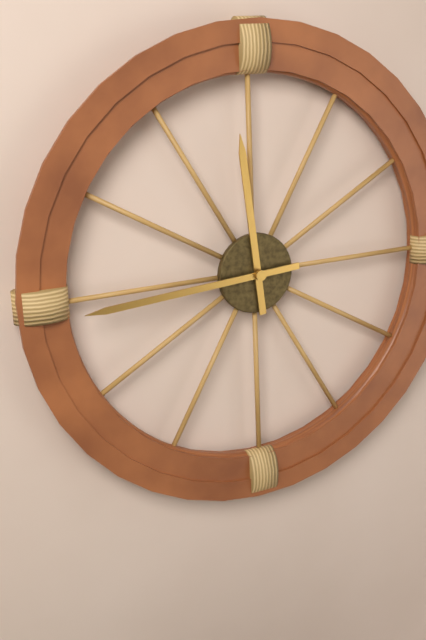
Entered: 11.44
